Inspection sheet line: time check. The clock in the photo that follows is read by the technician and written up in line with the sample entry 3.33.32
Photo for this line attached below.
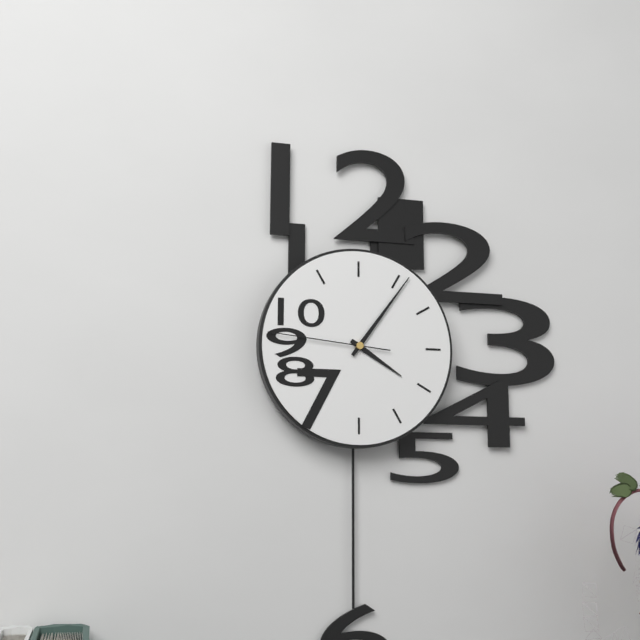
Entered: 4.06.46
